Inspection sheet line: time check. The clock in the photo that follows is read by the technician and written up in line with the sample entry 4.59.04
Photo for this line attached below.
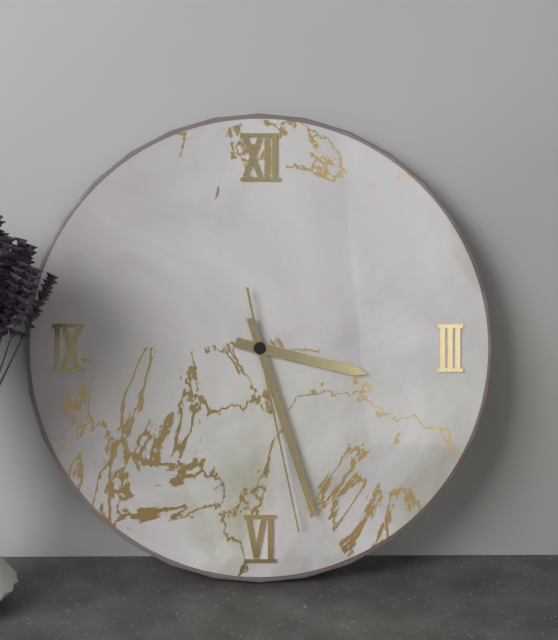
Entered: 3.27.28
